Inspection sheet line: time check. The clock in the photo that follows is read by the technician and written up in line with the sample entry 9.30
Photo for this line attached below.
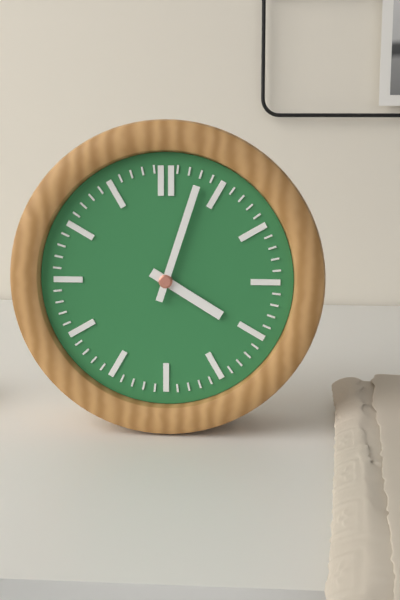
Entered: 4.03
